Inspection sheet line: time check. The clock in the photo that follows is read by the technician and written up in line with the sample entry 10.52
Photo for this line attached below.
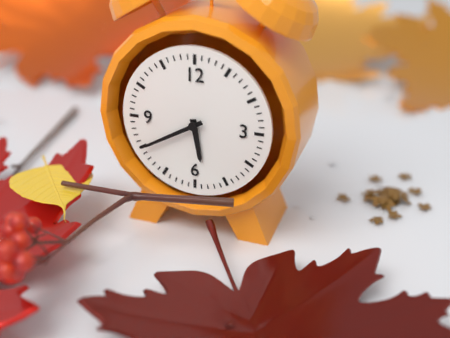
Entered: 5.40
